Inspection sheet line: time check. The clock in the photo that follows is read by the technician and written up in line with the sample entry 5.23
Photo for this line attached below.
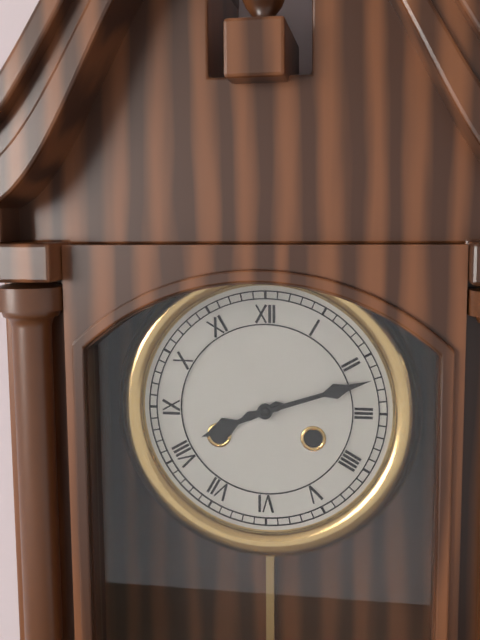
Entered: 8.12
